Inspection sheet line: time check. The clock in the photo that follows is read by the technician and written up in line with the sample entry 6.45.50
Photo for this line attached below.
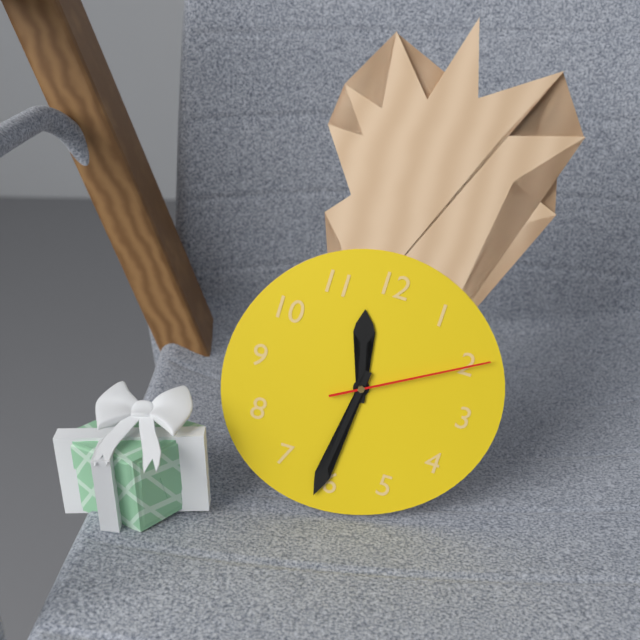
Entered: 11.31.10
